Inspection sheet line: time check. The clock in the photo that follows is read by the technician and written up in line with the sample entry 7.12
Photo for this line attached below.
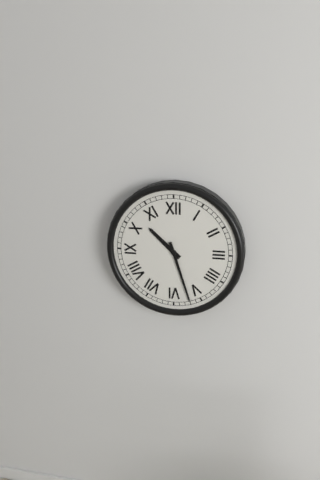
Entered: 10.27
